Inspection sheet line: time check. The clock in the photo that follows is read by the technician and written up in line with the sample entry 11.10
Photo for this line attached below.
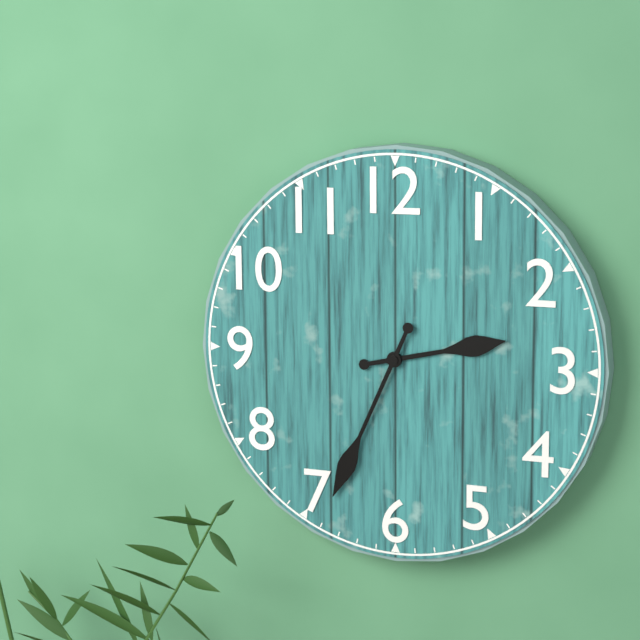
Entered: 2.34
